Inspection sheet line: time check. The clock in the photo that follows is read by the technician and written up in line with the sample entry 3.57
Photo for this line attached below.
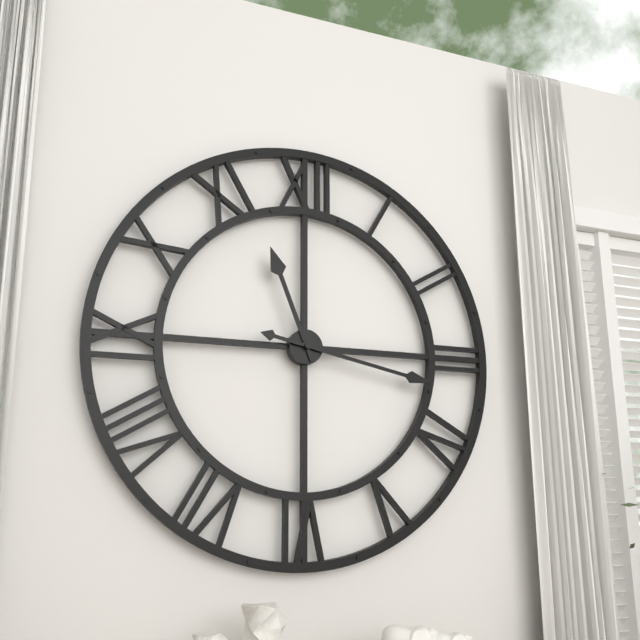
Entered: 11.17
